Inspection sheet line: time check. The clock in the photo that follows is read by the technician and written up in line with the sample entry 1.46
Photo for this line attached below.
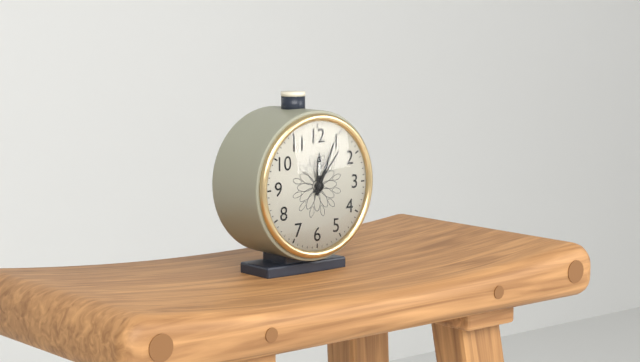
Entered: 12.04
